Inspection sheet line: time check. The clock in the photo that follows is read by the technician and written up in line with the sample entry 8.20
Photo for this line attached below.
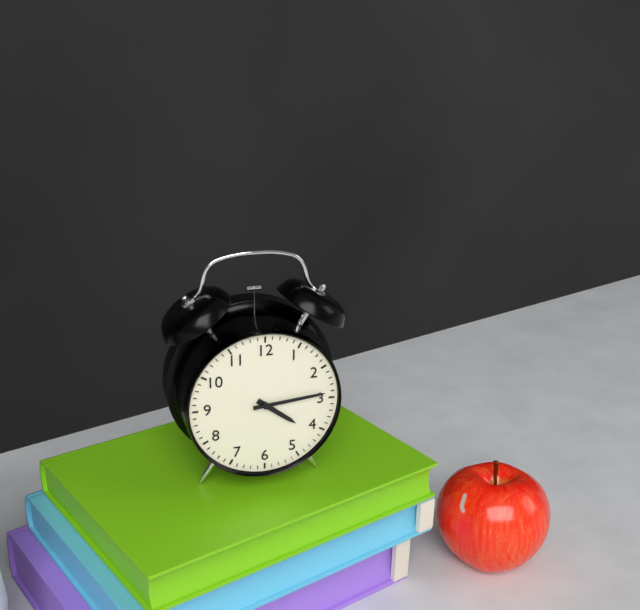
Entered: 4.14
